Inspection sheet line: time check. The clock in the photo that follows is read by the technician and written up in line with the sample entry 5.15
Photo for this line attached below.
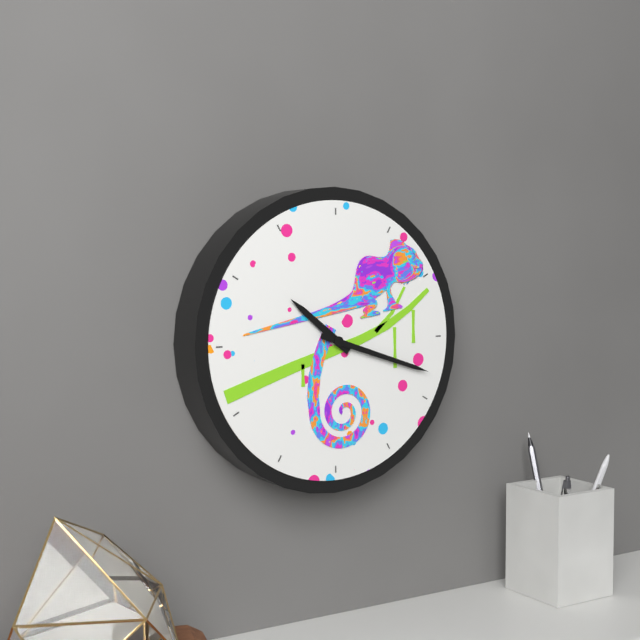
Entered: 10.18
